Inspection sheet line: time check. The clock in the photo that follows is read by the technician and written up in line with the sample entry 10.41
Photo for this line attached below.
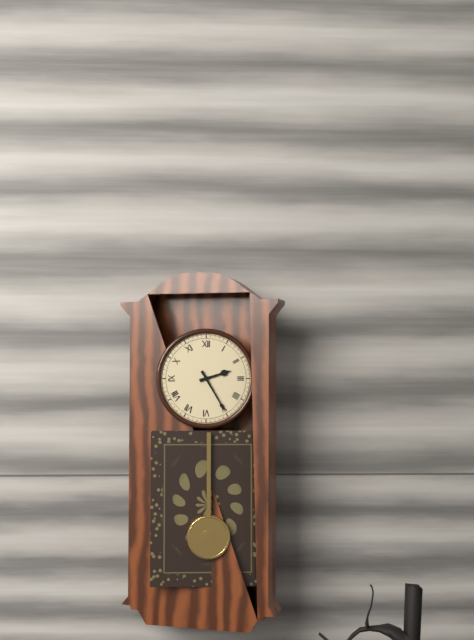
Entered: 2.25
